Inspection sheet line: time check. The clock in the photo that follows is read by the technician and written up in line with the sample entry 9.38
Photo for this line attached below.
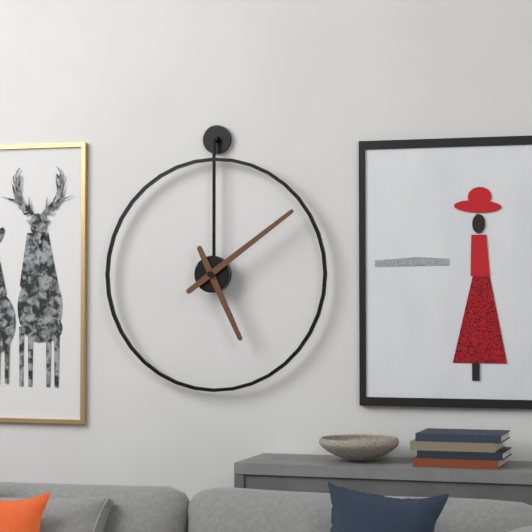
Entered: 5.09
